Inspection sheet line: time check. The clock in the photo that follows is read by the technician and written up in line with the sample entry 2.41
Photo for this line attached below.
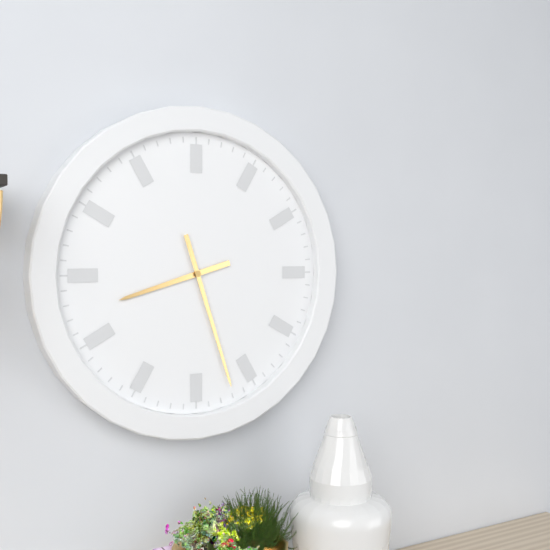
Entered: 8.27
